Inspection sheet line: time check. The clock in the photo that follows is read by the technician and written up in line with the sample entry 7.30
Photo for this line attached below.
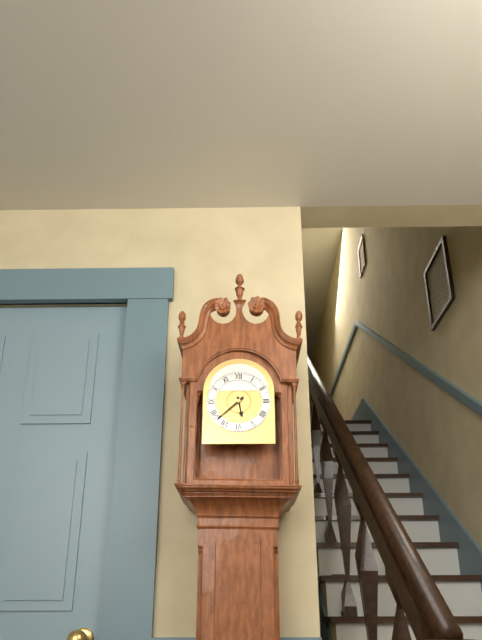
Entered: 5.38
